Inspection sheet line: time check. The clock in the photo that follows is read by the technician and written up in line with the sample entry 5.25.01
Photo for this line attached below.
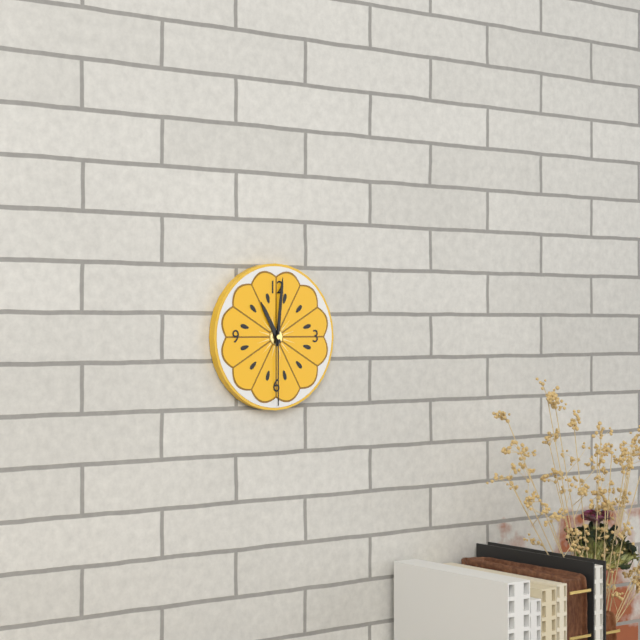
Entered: 11.01.30
